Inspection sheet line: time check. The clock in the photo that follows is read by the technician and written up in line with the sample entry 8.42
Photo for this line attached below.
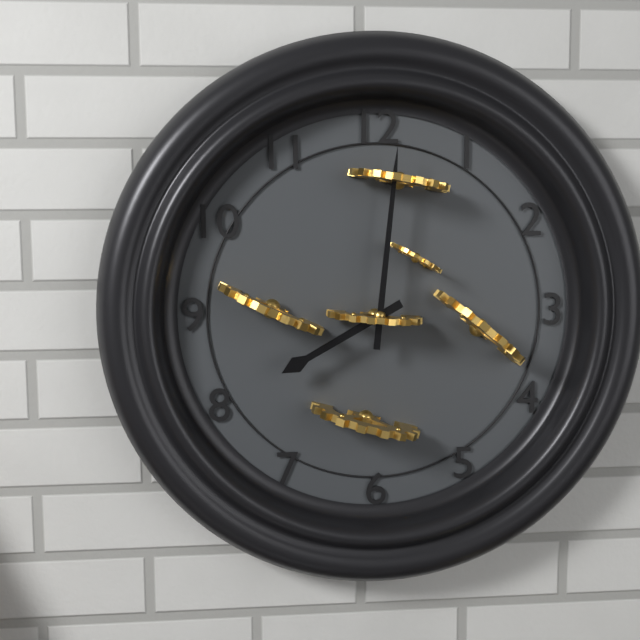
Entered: 8.01
